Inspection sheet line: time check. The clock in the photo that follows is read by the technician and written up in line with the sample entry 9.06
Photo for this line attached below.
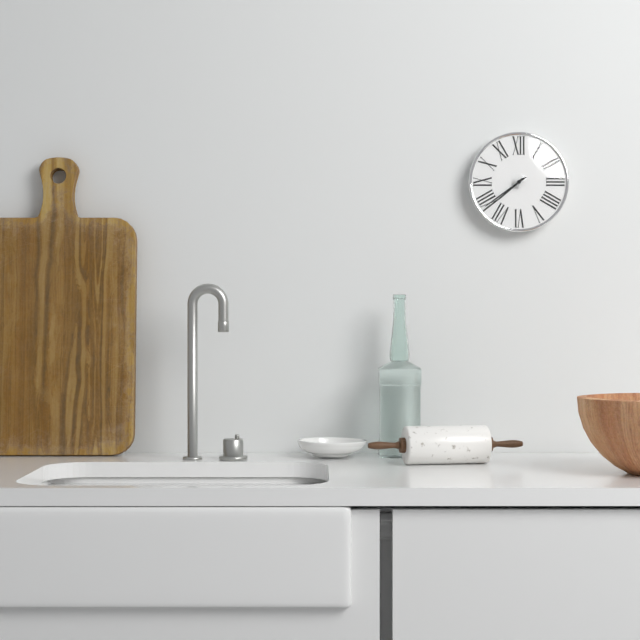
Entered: 7.39
